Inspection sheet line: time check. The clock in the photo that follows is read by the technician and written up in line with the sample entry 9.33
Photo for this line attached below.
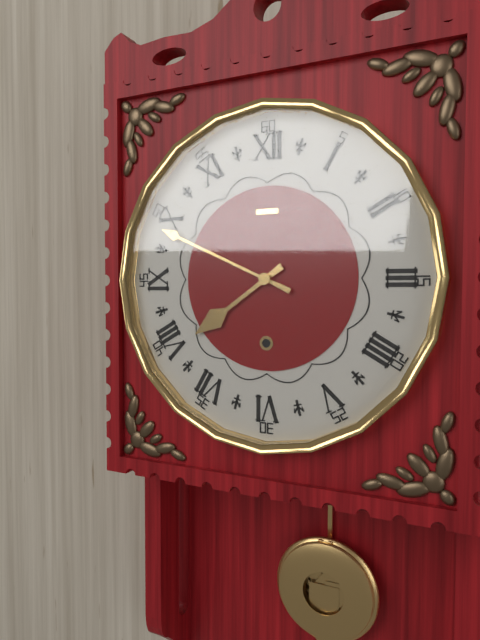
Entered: 7.49
